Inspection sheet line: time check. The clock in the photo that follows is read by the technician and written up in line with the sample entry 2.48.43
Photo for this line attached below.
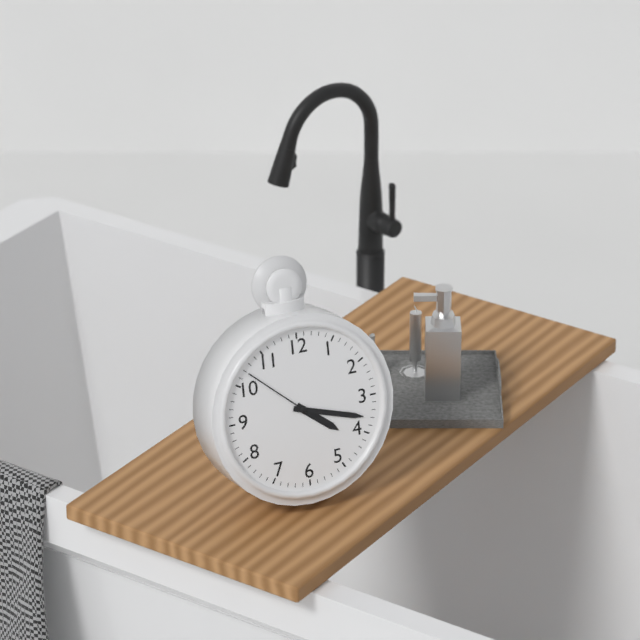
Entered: 4.18.52
